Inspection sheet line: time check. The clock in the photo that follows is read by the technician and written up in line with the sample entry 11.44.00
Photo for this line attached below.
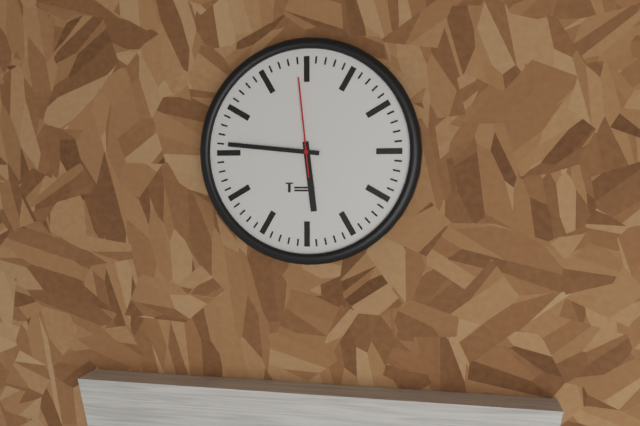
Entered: 5.46.59
